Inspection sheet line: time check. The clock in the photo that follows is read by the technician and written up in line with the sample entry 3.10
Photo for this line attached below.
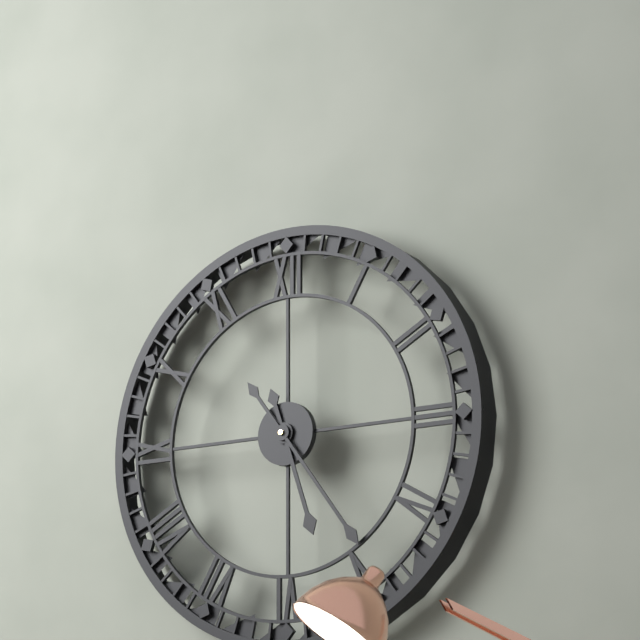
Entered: 5.24
